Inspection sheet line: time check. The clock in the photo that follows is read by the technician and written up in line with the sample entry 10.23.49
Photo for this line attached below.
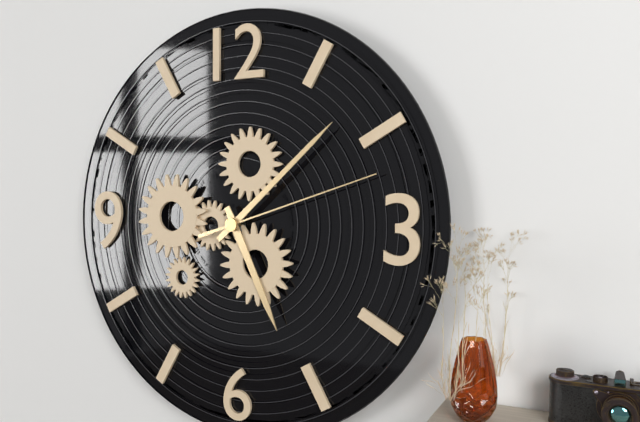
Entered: 5.08.12
